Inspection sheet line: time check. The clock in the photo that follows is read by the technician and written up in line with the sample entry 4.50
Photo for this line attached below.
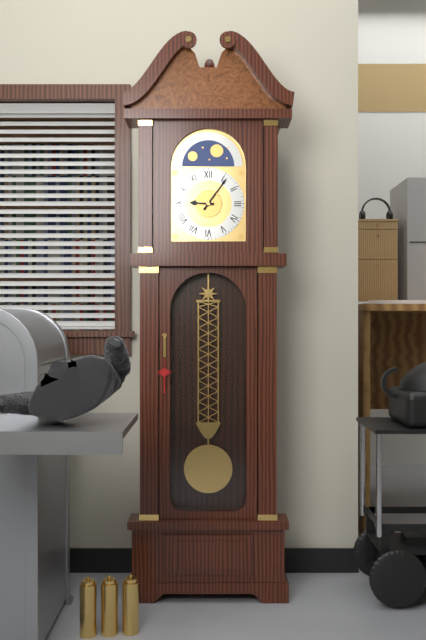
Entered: 9.06
